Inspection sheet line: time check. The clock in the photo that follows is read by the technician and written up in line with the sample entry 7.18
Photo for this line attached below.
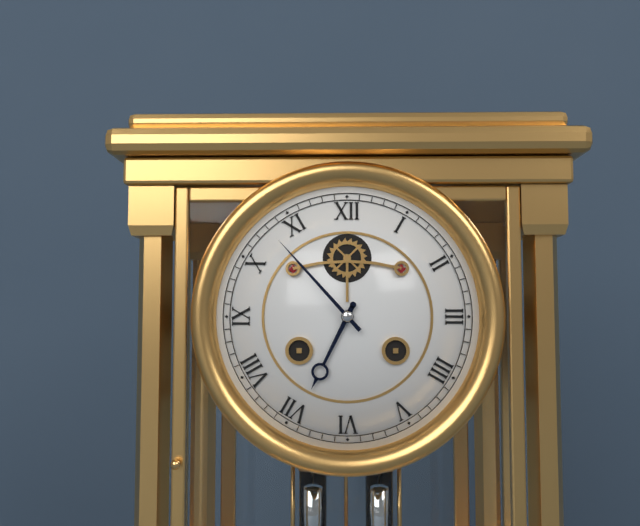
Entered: 6.53
